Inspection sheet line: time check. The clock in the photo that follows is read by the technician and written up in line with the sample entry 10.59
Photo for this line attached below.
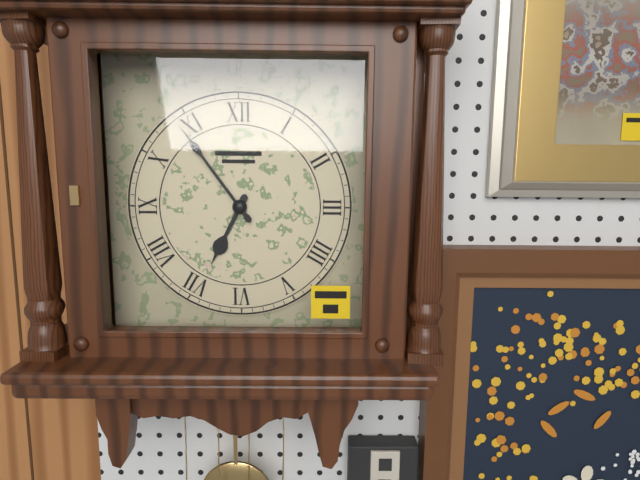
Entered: 6.54
